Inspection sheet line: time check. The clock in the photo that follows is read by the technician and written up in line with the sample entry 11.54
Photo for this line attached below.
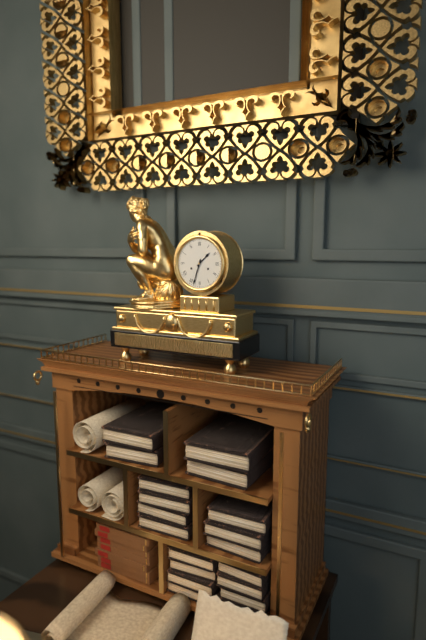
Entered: 1.33
